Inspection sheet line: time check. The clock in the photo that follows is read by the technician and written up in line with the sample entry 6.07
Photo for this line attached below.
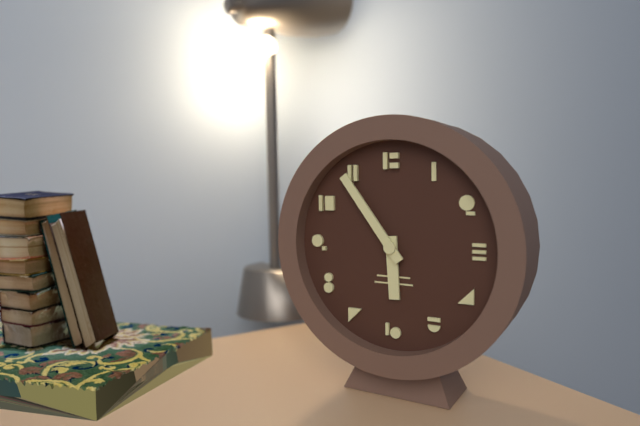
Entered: 5.54
